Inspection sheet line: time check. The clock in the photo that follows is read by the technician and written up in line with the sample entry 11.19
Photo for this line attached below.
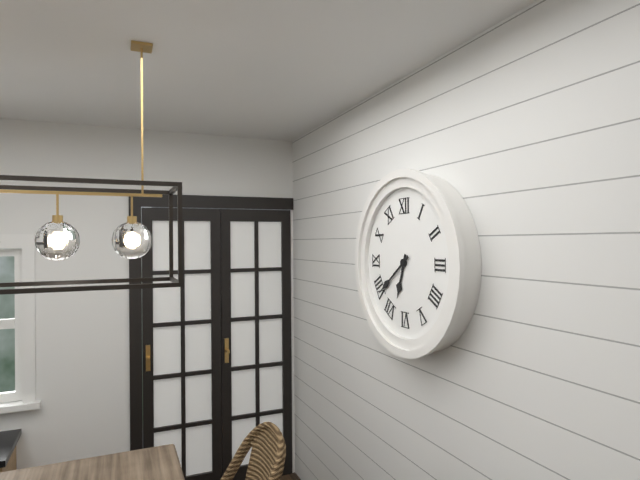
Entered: 6.39
